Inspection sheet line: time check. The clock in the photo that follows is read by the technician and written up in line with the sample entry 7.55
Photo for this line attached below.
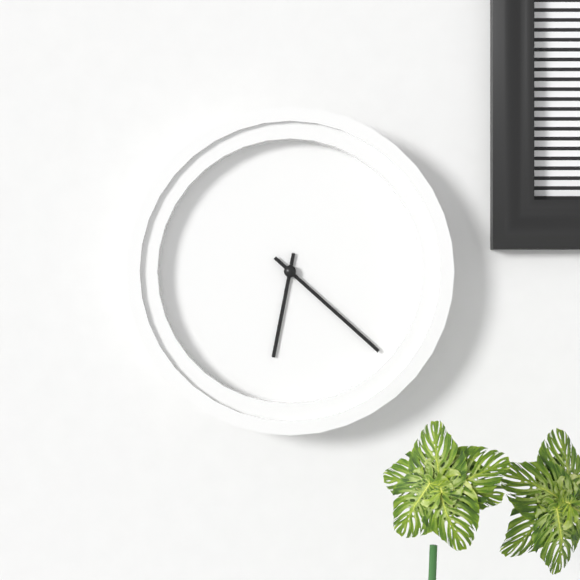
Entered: 6.22
